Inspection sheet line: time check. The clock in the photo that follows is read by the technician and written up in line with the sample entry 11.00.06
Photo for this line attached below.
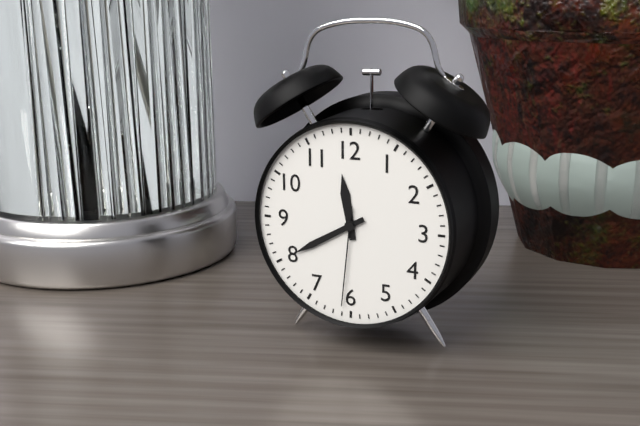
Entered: 11.40.31
